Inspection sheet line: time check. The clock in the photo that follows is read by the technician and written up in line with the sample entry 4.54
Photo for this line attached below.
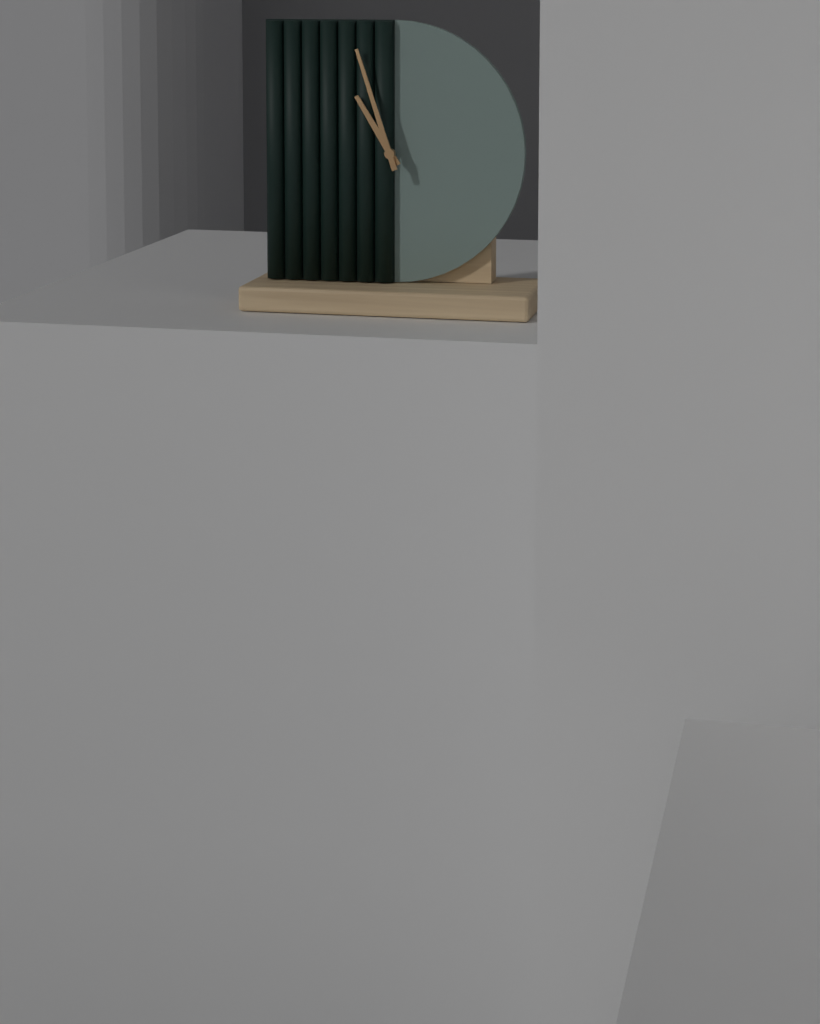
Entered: 10.57
